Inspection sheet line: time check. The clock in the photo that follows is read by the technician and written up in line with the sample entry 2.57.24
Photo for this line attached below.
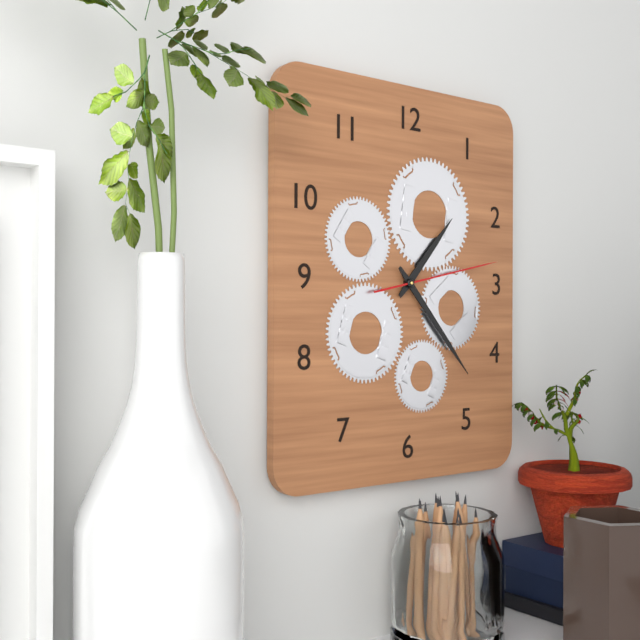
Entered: 1.23.13
